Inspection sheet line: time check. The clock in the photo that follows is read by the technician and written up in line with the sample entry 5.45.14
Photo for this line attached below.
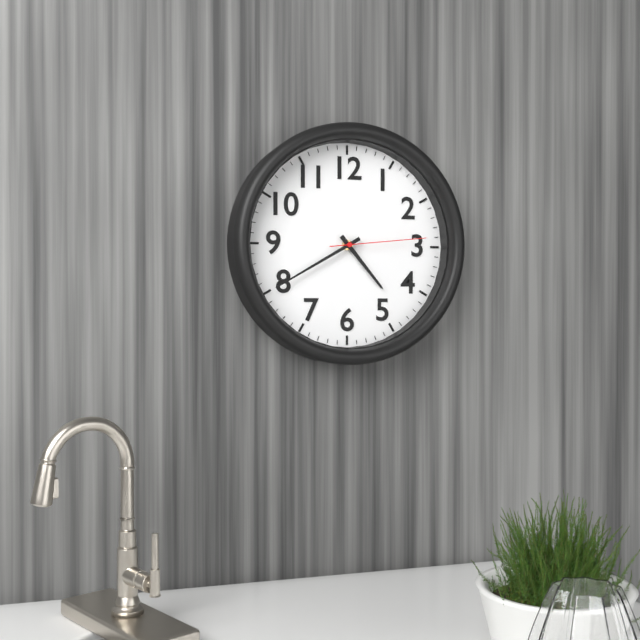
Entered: 4.40.14
